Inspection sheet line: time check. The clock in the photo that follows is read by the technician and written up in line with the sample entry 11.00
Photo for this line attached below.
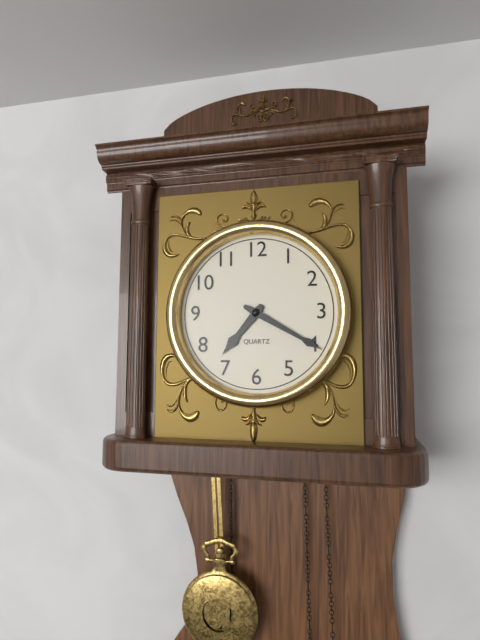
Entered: 7.20
